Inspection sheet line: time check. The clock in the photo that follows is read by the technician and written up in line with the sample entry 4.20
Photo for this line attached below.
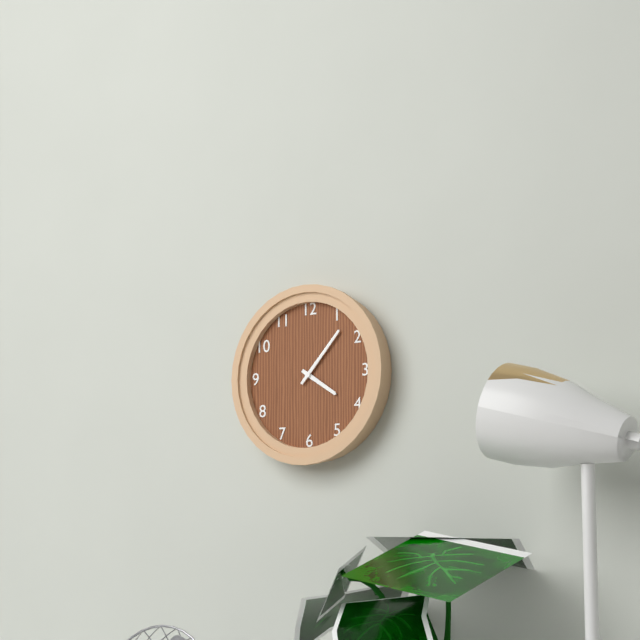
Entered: 4.07
